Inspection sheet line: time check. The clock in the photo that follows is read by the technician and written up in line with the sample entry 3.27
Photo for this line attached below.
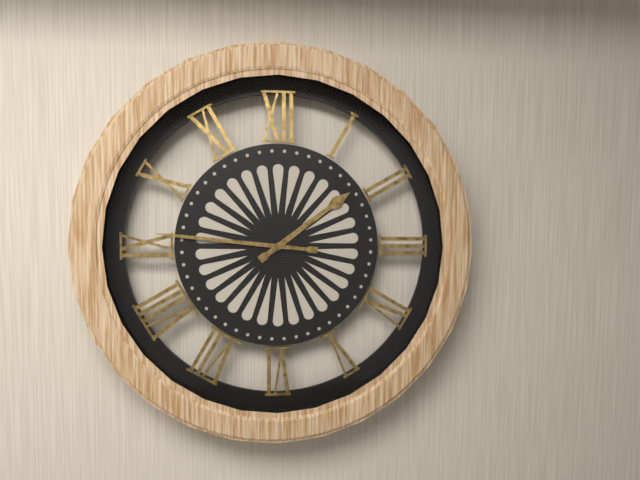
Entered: 1.46
